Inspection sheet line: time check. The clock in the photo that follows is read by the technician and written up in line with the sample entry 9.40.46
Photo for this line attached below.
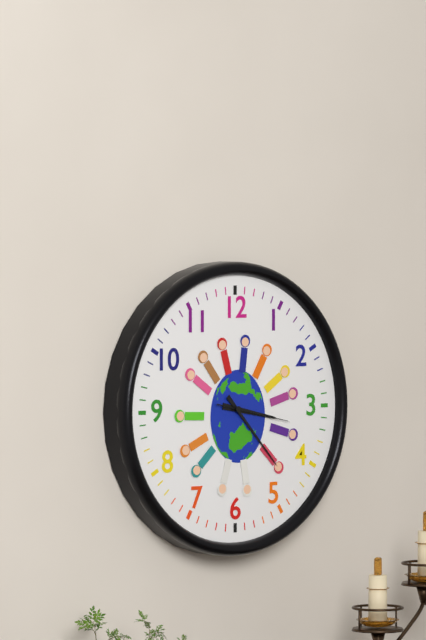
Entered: 3.23.17
